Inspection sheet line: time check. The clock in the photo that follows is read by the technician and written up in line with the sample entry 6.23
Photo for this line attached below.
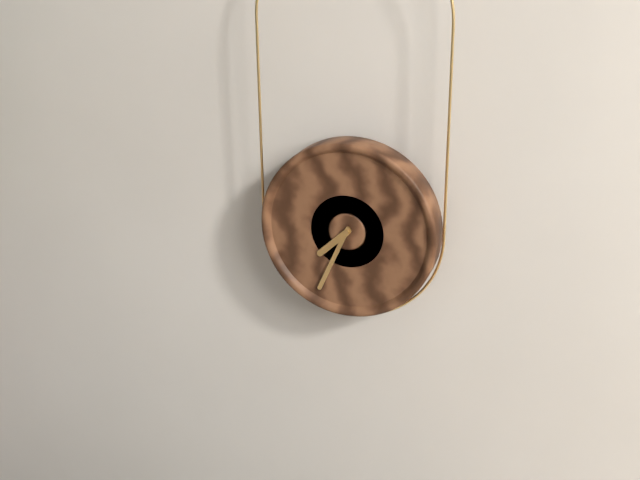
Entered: 7.34
